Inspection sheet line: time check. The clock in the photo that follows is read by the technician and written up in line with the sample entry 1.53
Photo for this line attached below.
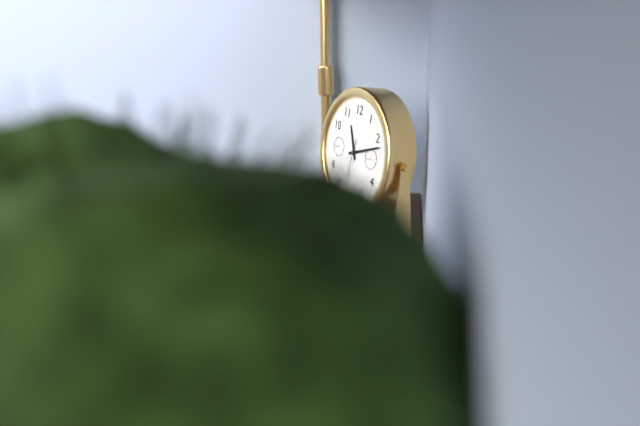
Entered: 11.12
